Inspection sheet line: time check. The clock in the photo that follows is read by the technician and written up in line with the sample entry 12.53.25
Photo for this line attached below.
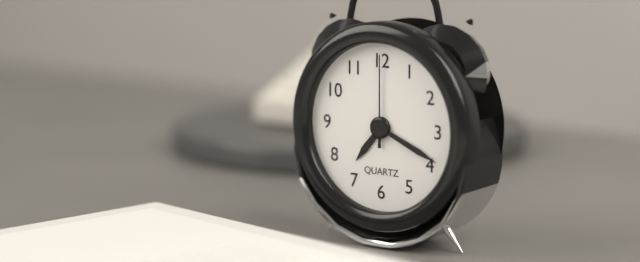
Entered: 7.19.00
